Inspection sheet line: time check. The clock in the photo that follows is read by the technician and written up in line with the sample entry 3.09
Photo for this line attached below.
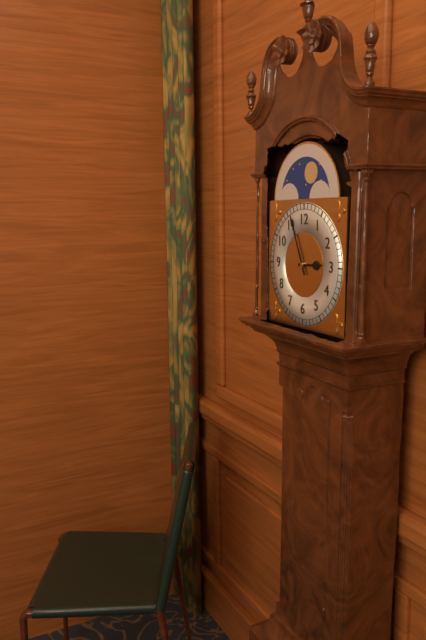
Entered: 2.56
